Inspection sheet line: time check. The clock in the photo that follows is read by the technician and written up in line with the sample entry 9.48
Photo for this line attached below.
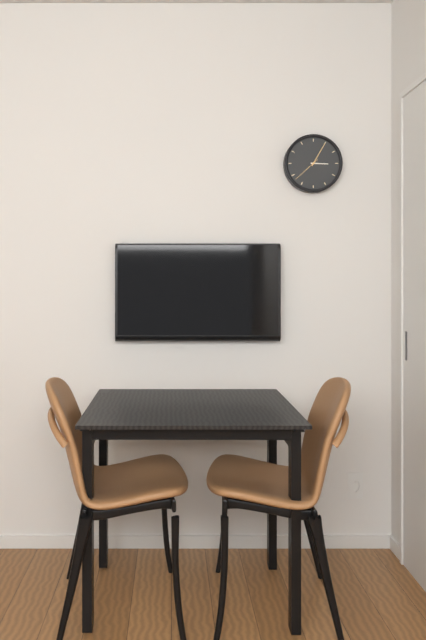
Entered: 3.05
